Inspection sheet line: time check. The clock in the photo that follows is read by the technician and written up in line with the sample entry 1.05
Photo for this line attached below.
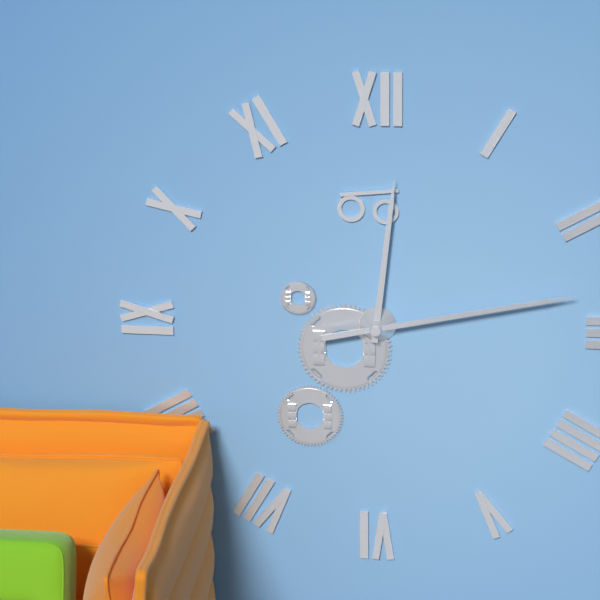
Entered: 12.13
